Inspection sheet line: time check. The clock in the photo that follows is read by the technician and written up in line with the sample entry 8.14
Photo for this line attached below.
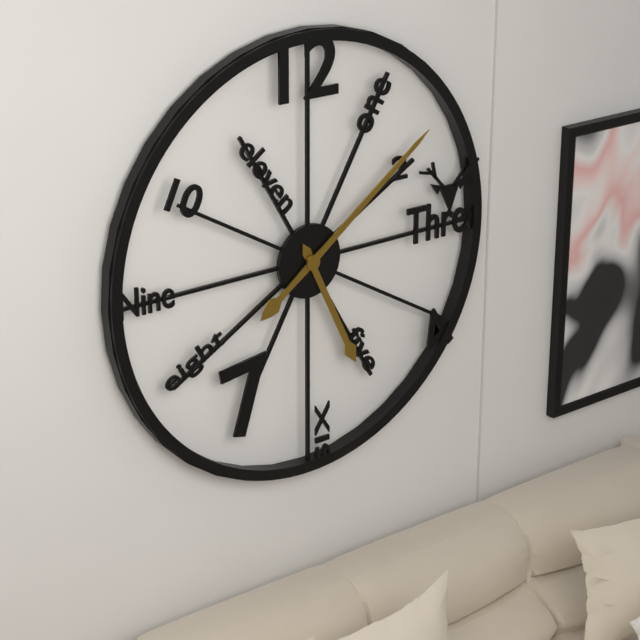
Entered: 5.09
